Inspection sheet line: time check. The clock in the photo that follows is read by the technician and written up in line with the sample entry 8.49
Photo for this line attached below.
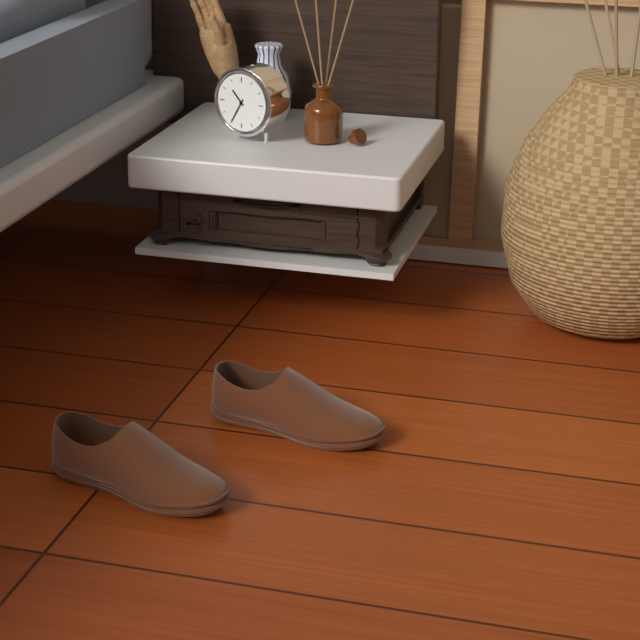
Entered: 10.35
